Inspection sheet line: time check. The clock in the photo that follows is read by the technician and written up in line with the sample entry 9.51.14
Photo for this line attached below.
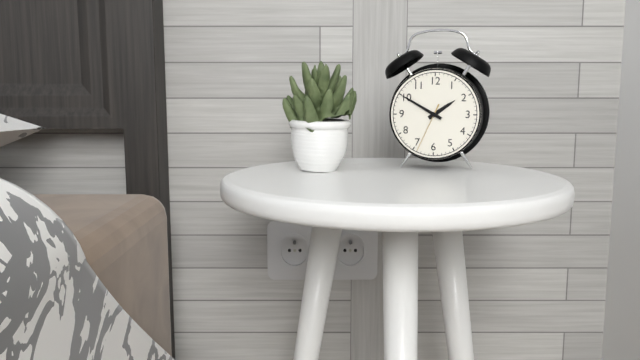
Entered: 1.50.34
